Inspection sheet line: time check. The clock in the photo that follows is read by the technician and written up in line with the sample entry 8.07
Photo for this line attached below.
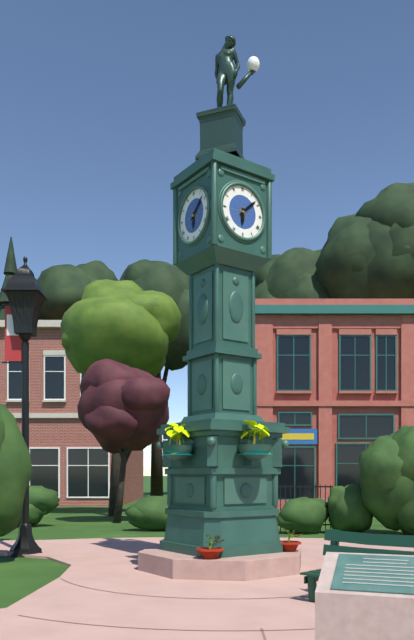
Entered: 6.08
